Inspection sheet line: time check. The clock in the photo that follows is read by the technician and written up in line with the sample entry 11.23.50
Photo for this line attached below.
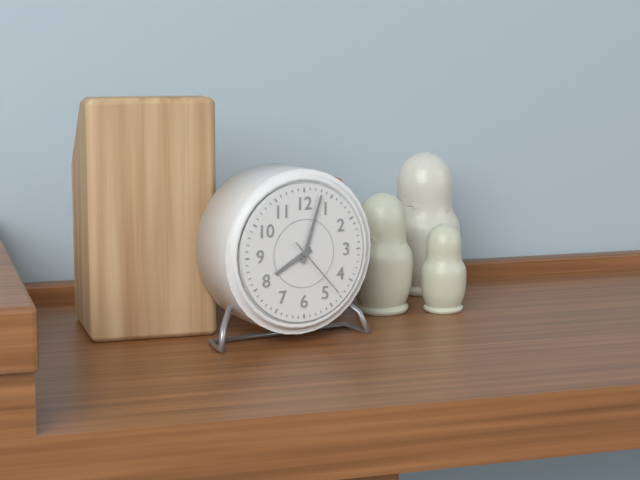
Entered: 8.03.23
